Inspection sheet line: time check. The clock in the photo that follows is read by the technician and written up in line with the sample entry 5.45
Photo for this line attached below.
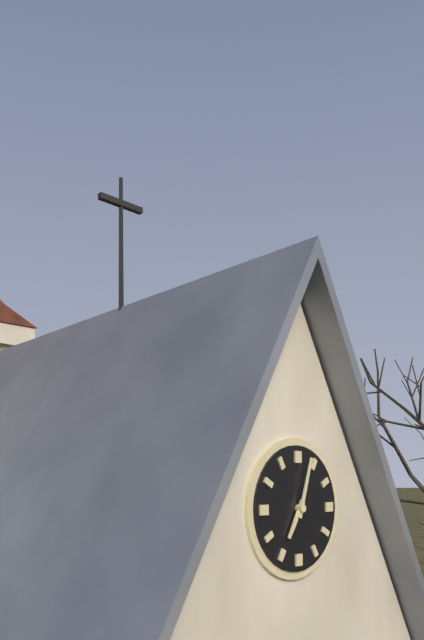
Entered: 7.03
